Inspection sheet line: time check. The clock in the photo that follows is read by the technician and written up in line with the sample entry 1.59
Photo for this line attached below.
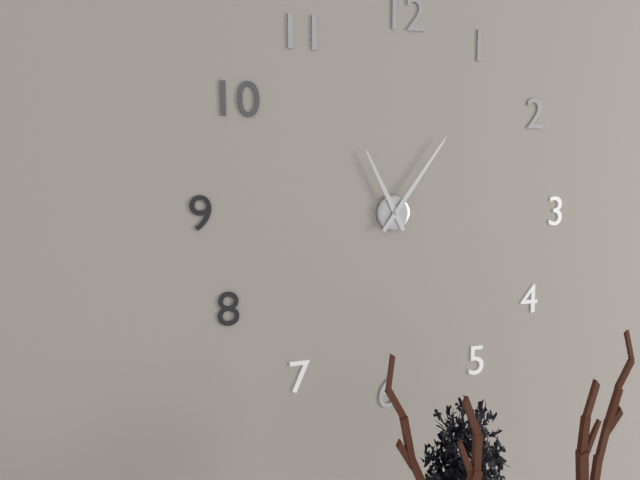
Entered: 11.06
